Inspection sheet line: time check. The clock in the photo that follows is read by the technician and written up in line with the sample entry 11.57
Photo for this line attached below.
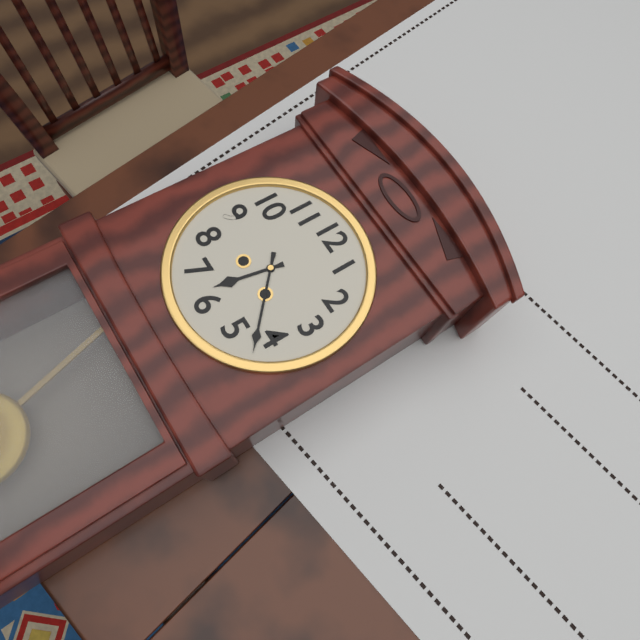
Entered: 6.22
